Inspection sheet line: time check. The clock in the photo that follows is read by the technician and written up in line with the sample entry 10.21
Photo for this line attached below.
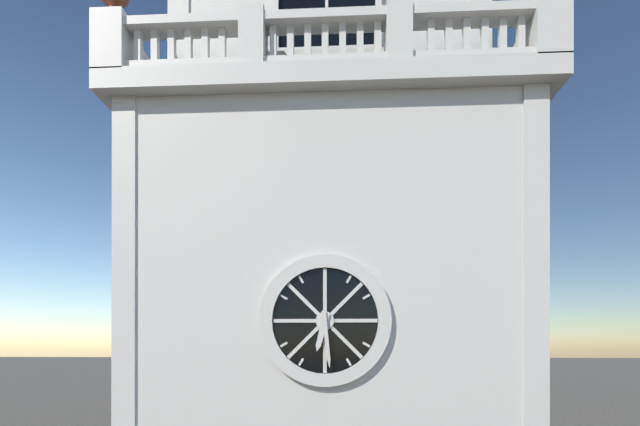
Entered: 6.29
